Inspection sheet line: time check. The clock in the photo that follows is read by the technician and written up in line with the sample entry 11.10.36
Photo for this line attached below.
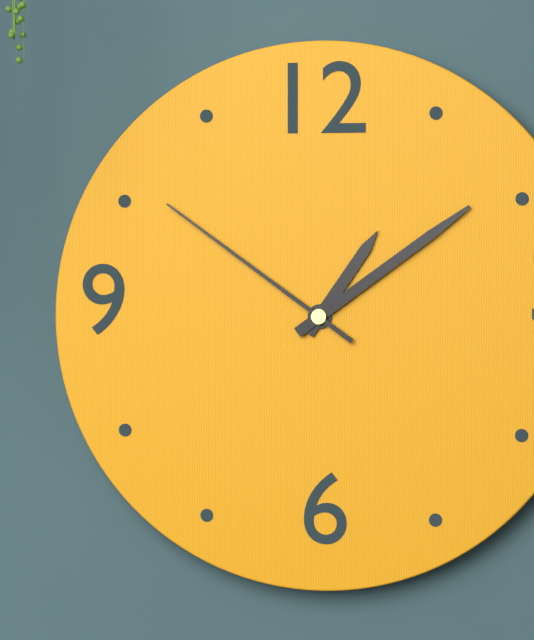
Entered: 1.09.51
